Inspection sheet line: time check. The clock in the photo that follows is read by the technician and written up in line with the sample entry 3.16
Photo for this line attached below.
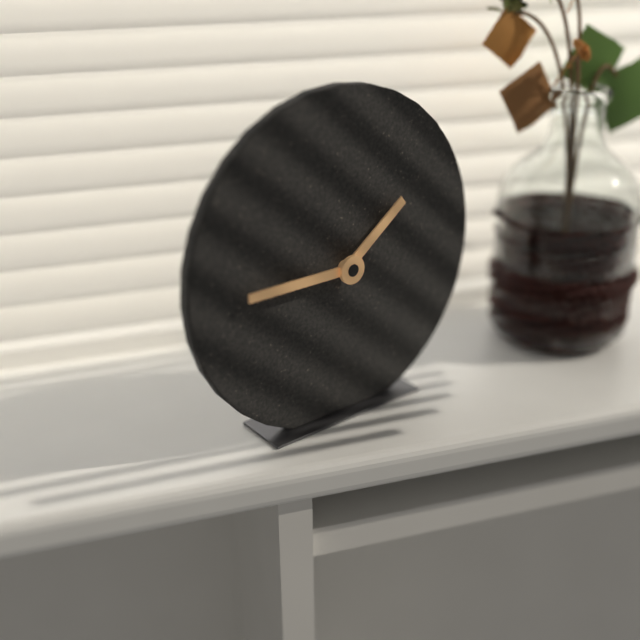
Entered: 1.45
